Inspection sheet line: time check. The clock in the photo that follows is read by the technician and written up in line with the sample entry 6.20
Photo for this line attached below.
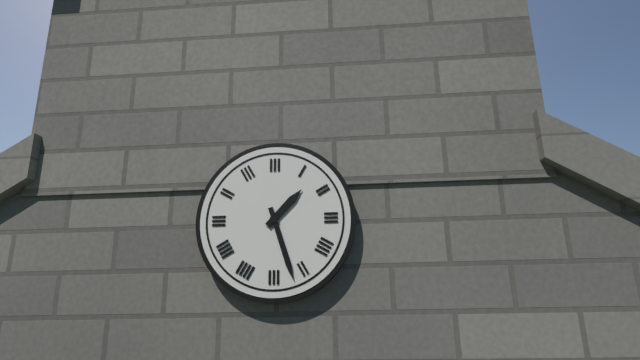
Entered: 1.27
